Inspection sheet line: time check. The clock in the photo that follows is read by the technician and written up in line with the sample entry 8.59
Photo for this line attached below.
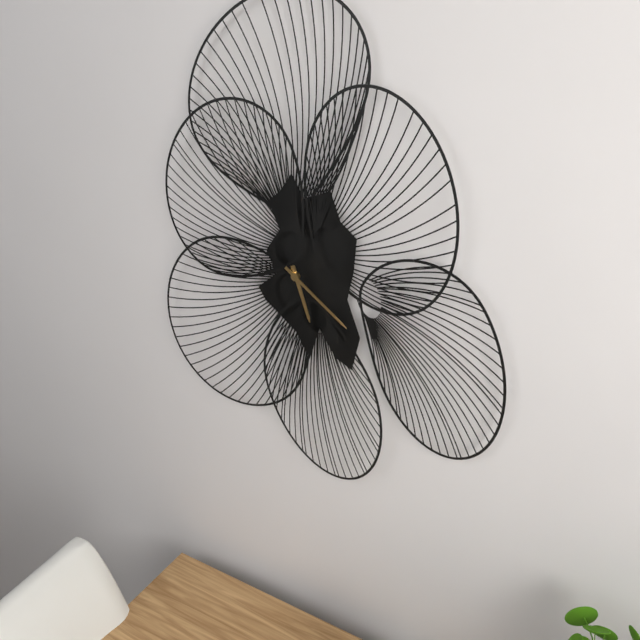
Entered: 5.21
